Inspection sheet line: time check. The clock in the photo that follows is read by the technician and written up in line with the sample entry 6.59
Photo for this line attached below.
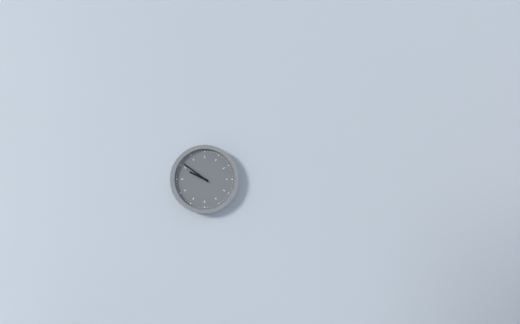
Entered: 9.51
